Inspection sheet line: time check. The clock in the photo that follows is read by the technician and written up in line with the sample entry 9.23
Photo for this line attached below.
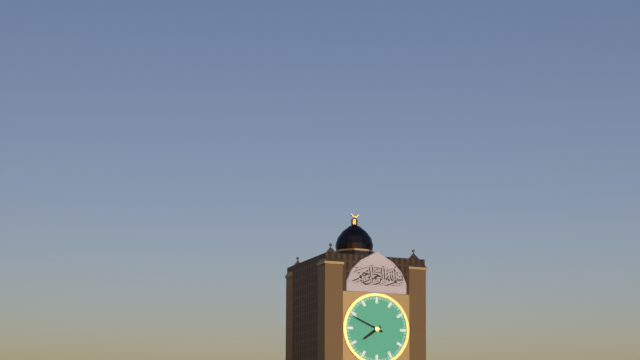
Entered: 7.49
